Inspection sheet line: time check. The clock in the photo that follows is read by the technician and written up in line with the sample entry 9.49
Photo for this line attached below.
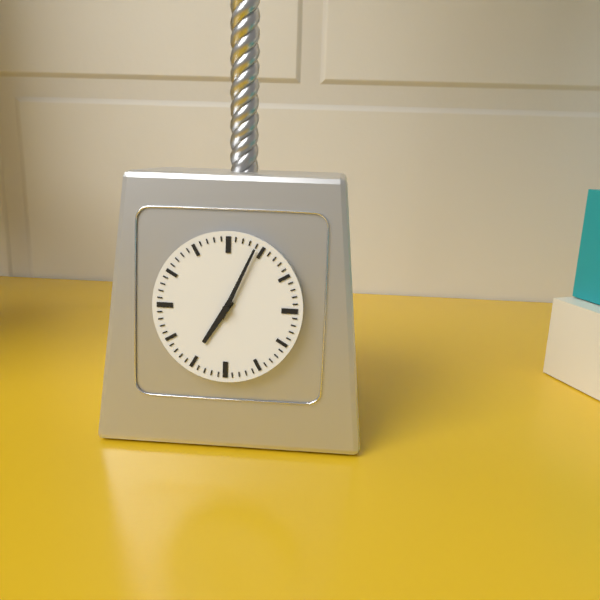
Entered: 7.04
